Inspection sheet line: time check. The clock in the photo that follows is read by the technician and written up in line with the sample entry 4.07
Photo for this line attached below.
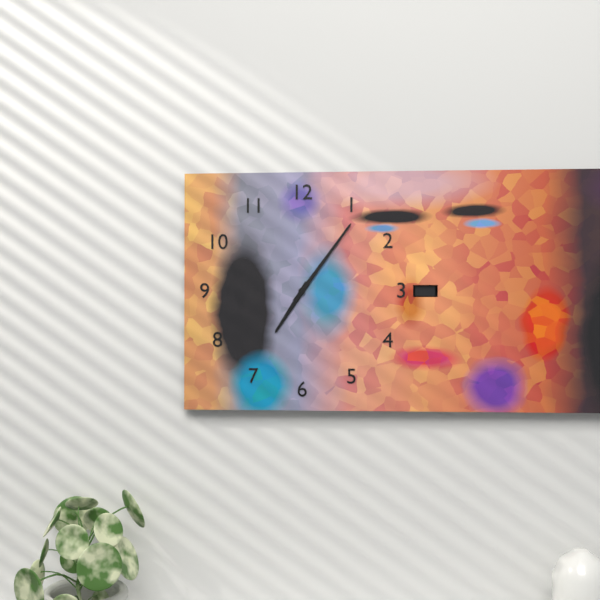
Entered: 7.06
